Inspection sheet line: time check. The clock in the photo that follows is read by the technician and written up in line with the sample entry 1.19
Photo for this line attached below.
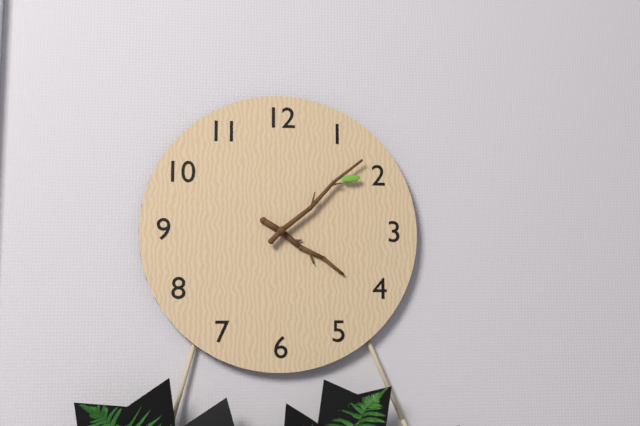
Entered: 4.08
